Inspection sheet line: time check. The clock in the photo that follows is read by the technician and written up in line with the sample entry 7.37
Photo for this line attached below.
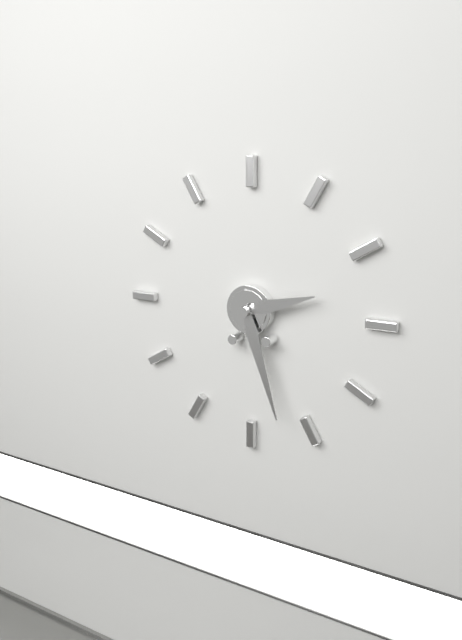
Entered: 2.27
